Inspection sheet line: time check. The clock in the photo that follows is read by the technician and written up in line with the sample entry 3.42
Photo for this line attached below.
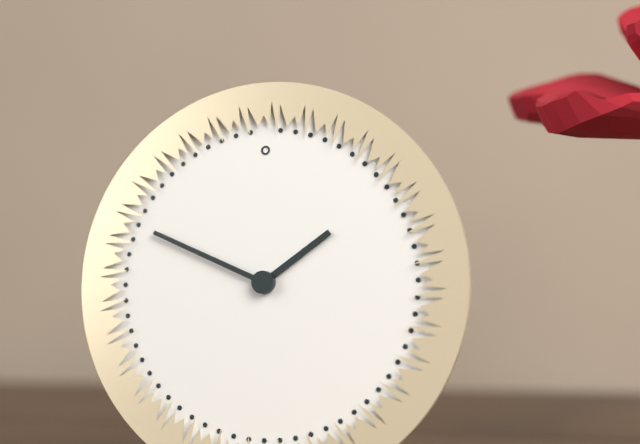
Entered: 1.49
